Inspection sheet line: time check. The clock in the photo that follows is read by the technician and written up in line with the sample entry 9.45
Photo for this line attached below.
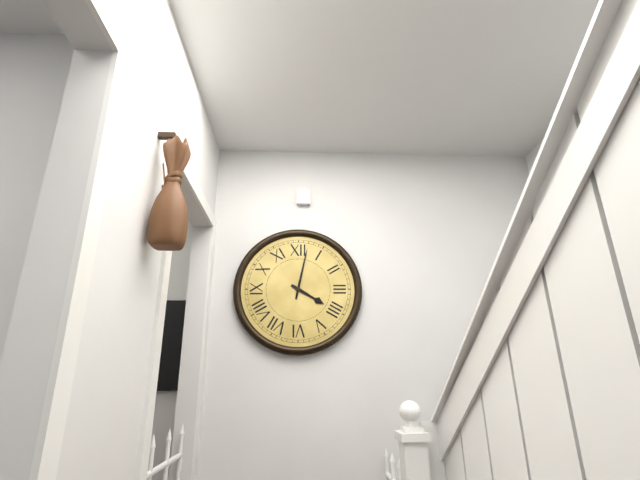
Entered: 4.02
